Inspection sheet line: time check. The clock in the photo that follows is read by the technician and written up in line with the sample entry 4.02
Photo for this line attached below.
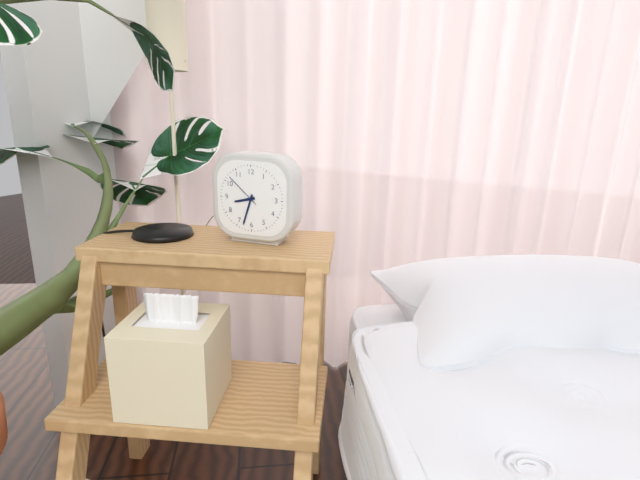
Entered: 8.33
